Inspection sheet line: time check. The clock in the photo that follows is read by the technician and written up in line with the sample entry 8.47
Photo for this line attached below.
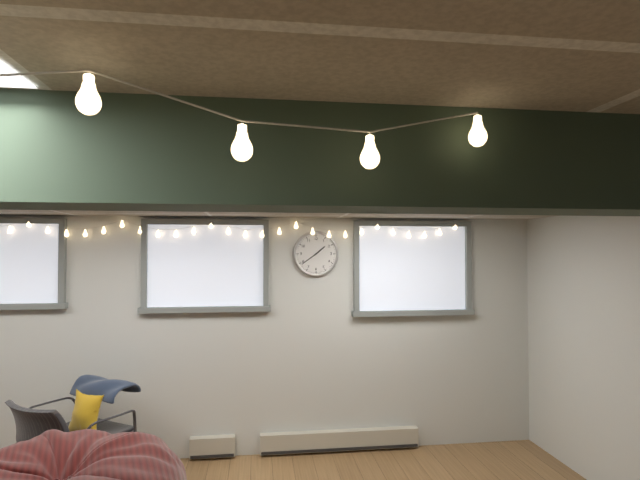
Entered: 1.39
